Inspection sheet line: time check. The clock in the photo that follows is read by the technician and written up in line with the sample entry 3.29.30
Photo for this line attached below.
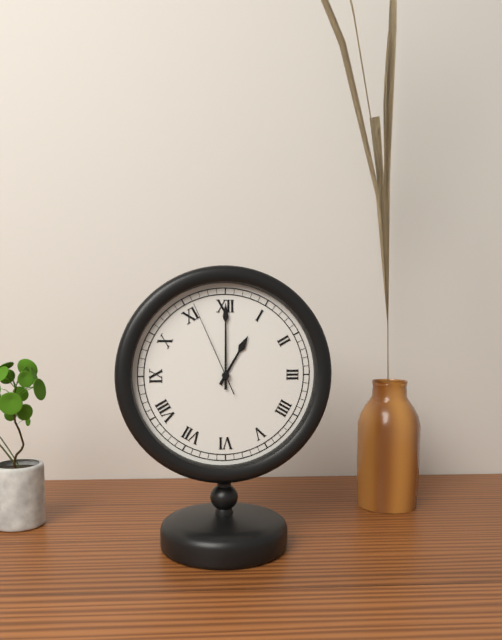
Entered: 1.00.56
